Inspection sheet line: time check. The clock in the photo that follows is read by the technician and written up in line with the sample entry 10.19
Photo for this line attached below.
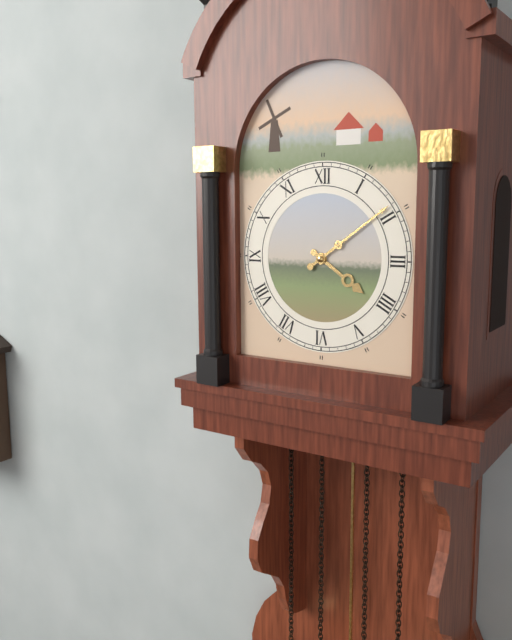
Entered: 4.09
